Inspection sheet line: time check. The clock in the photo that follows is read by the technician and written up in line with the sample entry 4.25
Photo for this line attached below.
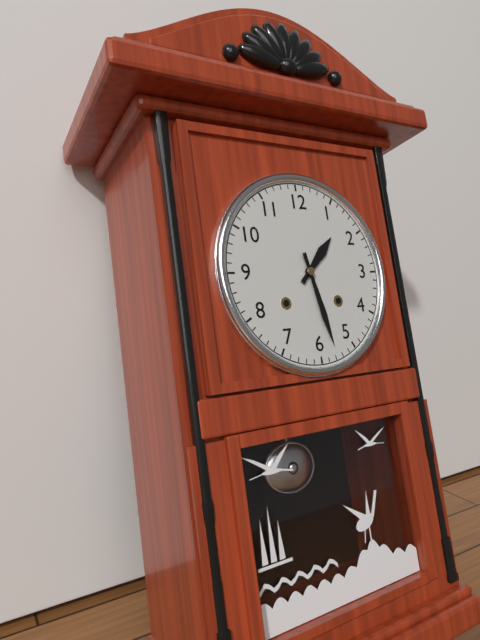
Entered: 1.28
